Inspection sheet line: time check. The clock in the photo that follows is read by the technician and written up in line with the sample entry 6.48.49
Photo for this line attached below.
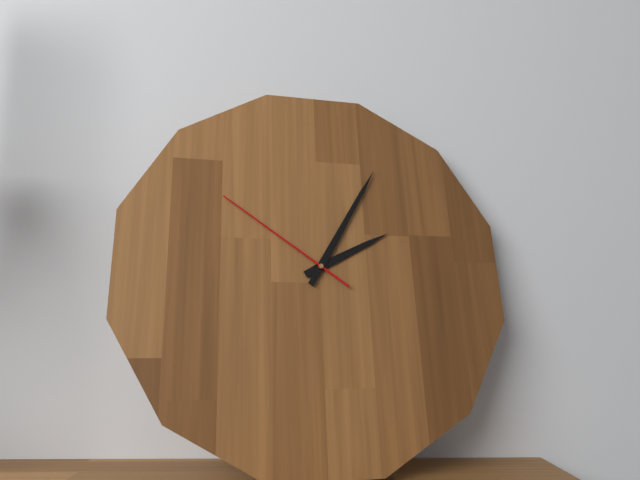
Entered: 2.05.51
